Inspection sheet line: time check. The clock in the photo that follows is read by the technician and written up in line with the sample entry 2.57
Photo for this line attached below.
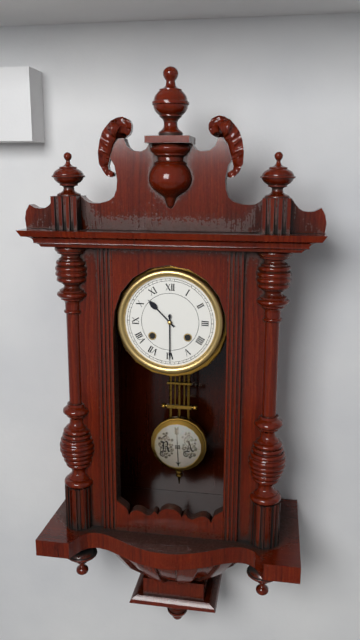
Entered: 10.30
